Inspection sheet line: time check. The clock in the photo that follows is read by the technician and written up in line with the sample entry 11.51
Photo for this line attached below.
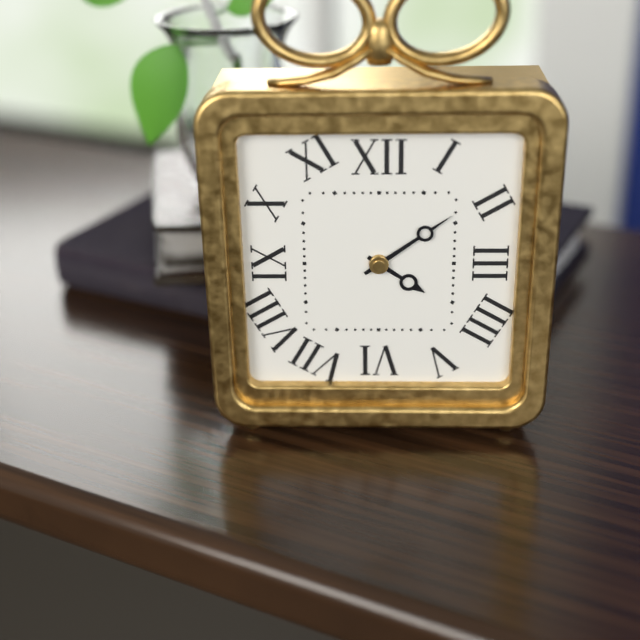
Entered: 4.09
